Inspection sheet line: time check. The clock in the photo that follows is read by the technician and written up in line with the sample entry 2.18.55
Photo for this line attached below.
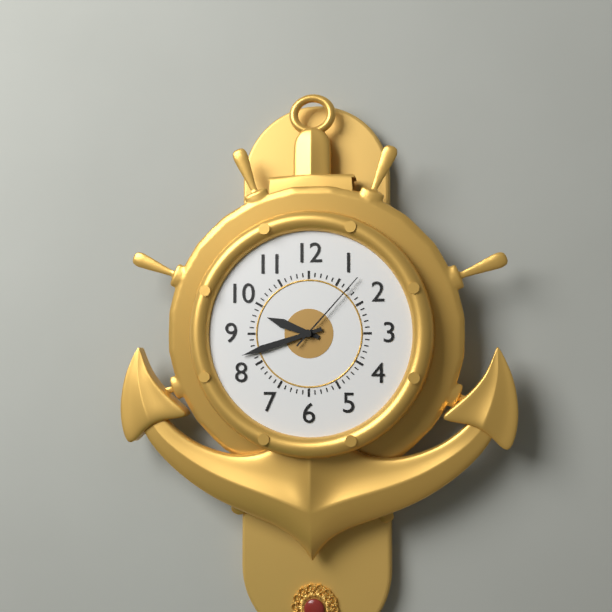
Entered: 9.42.07
